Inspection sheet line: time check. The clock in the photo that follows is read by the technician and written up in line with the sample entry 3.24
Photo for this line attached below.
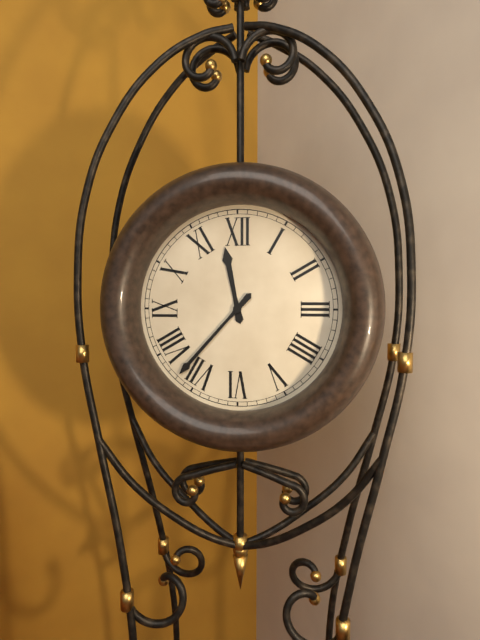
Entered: 11.37
